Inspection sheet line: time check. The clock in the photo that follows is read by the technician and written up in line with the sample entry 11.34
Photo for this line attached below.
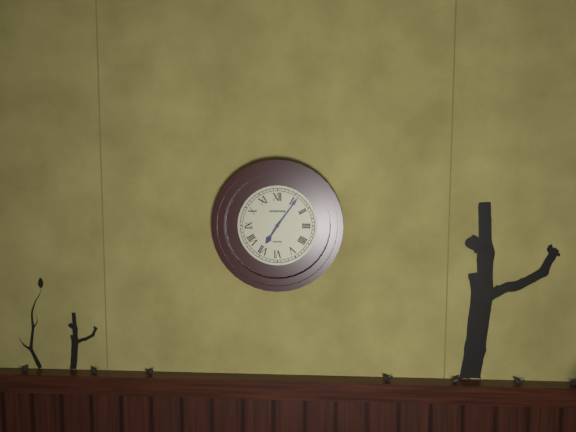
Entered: 7.06
